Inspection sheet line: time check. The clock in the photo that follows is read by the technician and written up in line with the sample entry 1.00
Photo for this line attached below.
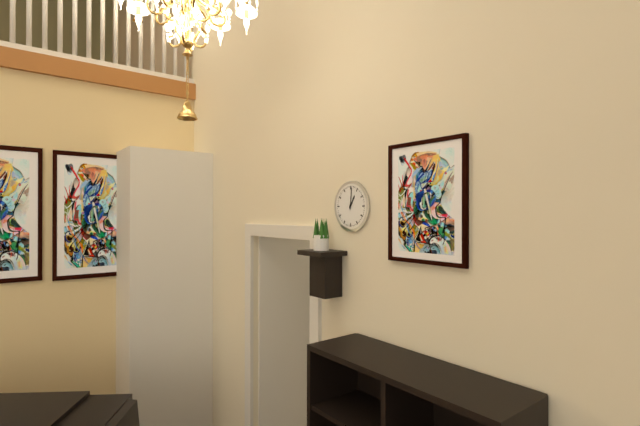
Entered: 1.01
